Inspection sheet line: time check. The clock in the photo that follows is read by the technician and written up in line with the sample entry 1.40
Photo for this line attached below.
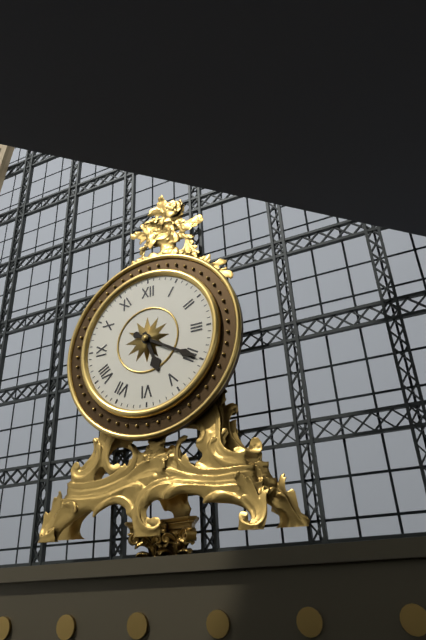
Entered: 5.20
